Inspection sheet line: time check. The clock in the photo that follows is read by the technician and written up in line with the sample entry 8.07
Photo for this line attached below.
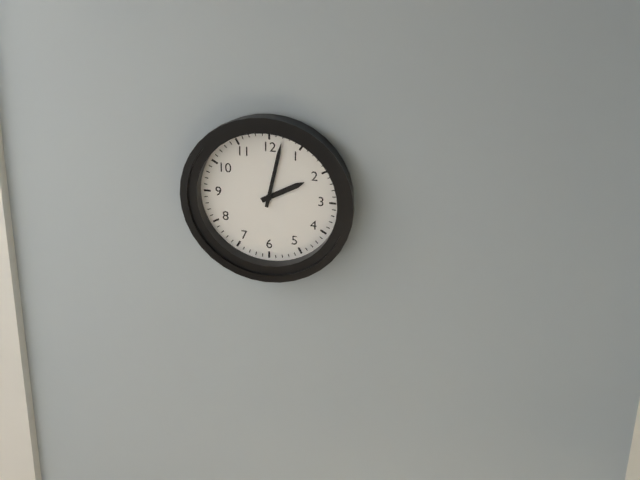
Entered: 2.02
